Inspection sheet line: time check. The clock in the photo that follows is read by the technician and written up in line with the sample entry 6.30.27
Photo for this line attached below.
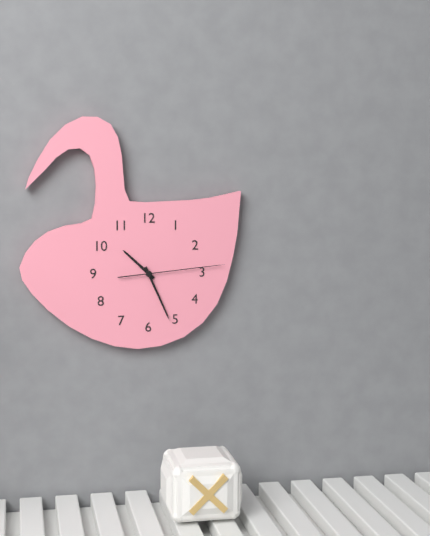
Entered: 10.26.14
